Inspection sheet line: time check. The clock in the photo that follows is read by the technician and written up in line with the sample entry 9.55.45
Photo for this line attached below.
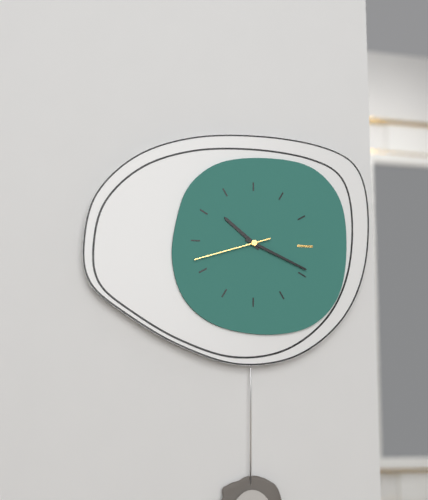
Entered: 10.19.42
